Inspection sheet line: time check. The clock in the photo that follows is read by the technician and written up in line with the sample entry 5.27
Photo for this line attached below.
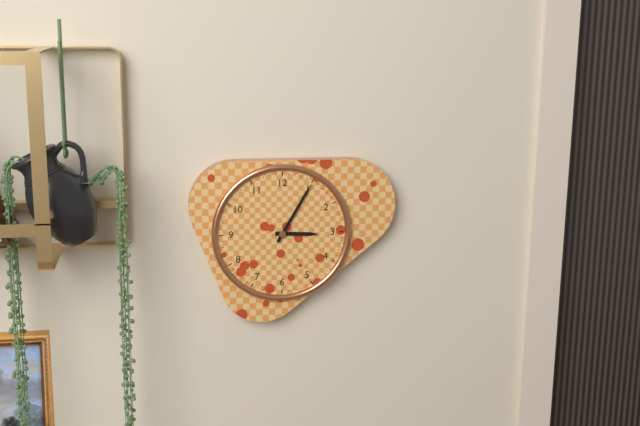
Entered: 3.05
